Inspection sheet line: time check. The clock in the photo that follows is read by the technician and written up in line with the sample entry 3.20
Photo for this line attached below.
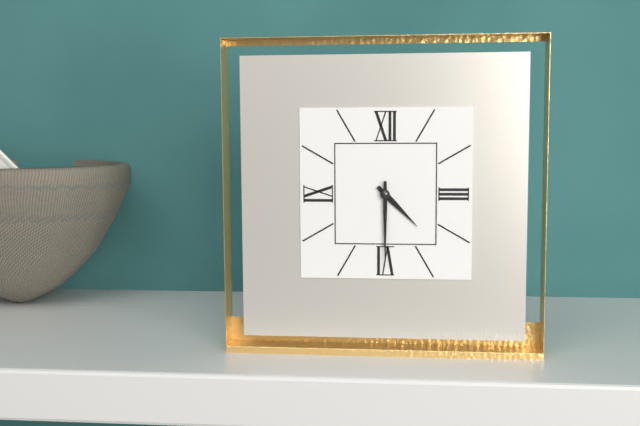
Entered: 4.30
